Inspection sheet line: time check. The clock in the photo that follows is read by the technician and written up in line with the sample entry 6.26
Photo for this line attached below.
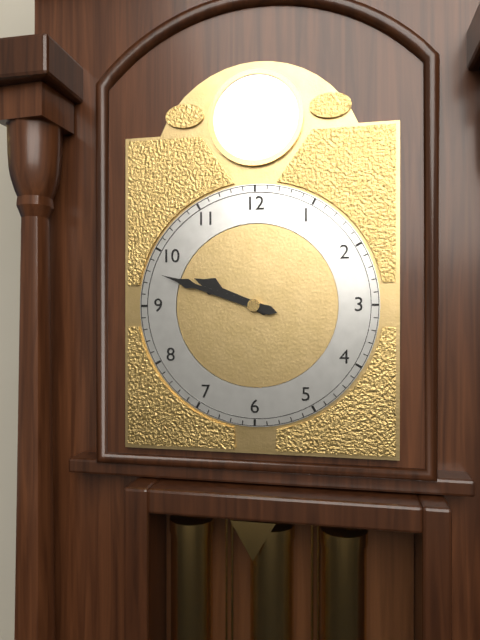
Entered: 9.48
